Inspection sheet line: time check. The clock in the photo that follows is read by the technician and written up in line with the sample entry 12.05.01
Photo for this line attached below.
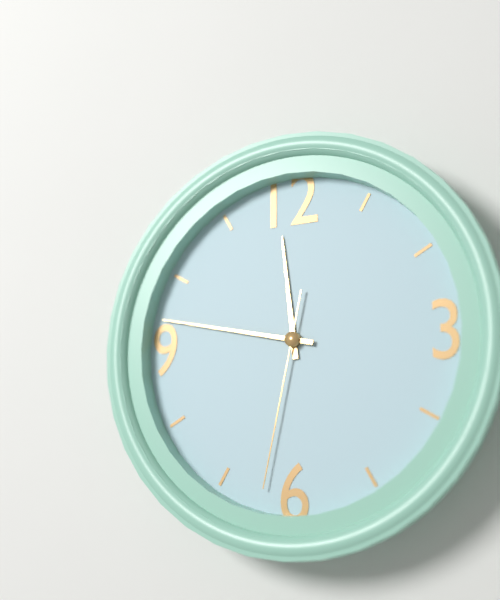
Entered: 11.47.32
